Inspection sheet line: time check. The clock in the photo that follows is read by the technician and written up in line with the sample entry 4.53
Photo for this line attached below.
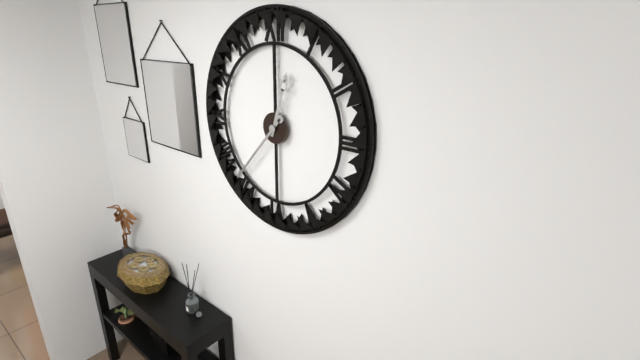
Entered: 12.37
